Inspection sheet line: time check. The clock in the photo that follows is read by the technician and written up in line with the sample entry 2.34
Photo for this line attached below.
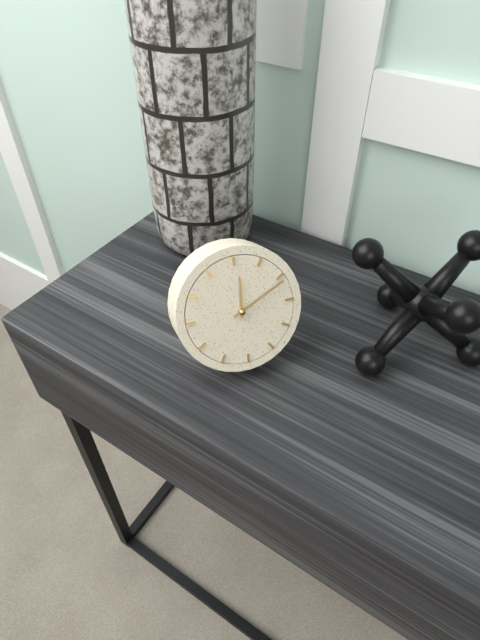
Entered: 12.11
